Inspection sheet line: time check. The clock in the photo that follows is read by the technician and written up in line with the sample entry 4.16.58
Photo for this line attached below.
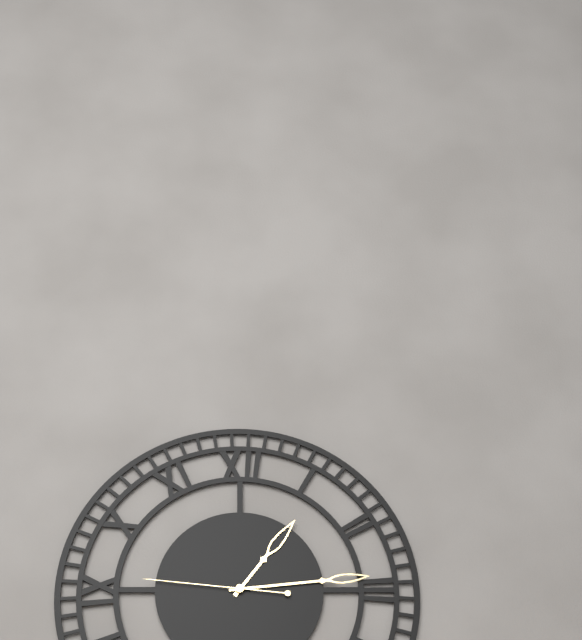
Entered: 1.14.46
